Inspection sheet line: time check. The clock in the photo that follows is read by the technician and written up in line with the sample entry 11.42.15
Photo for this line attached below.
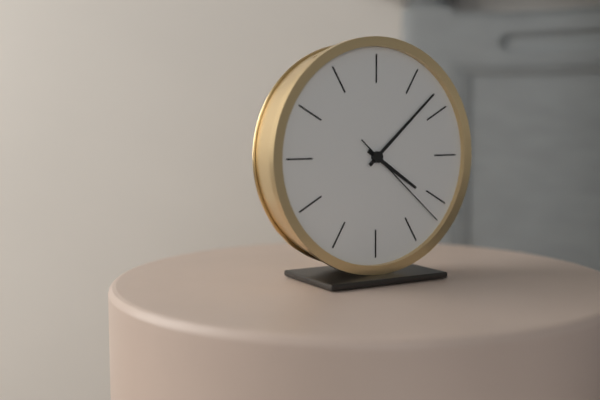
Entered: 4.08.22
